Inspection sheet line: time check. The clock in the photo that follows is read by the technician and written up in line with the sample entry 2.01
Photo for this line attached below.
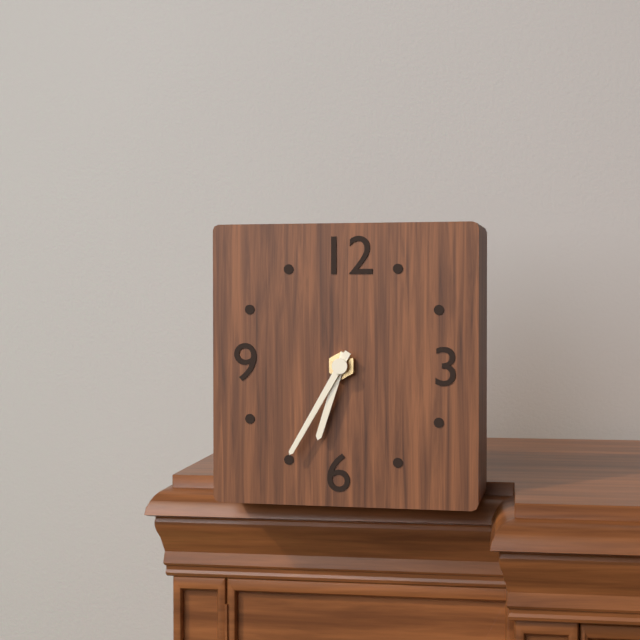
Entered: 6.35
